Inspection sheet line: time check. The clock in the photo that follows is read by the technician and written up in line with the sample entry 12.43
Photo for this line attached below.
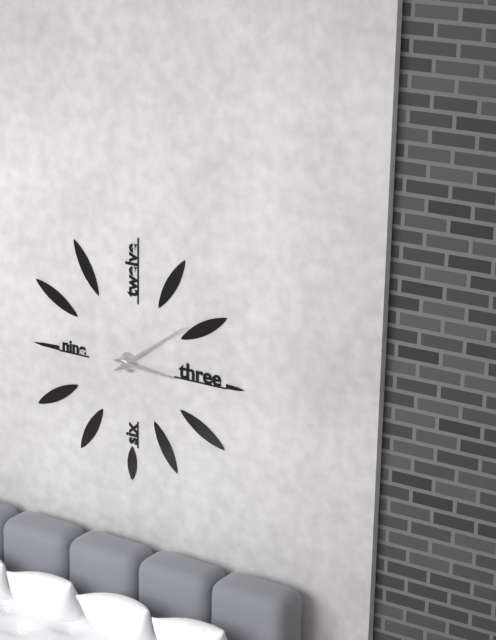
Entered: 3.09
